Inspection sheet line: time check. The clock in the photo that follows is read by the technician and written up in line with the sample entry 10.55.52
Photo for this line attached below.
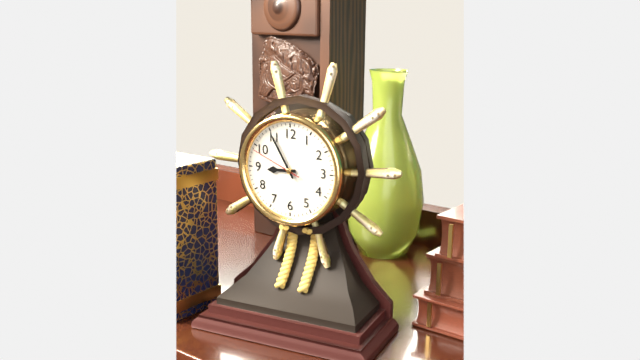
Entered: 8.55.49
